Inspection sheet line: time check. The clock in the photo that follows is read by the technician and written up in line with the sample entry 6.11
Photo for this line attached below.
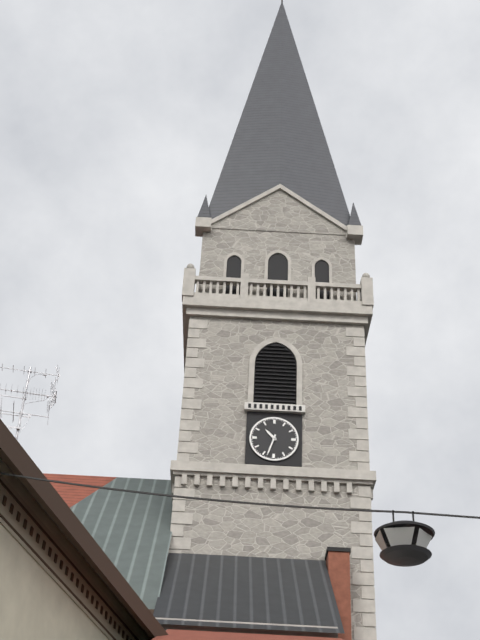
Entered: 10.33
